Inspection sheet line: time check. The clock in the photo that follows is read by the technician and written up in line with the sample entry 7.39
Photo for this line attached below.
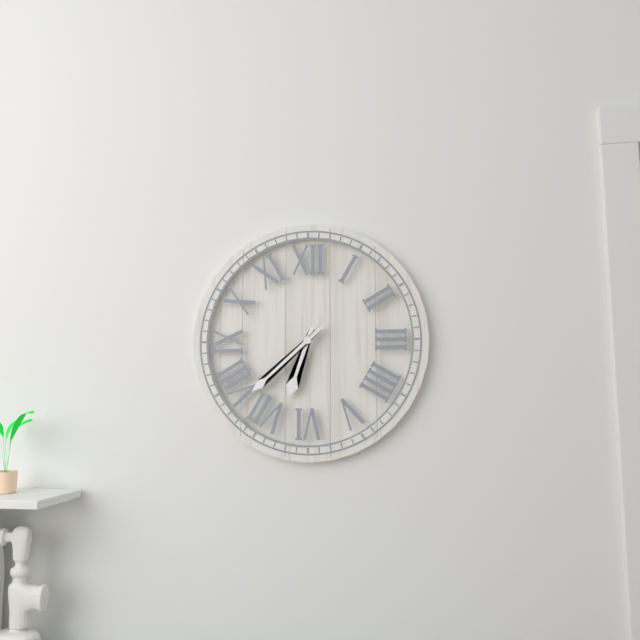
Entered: 6.38
